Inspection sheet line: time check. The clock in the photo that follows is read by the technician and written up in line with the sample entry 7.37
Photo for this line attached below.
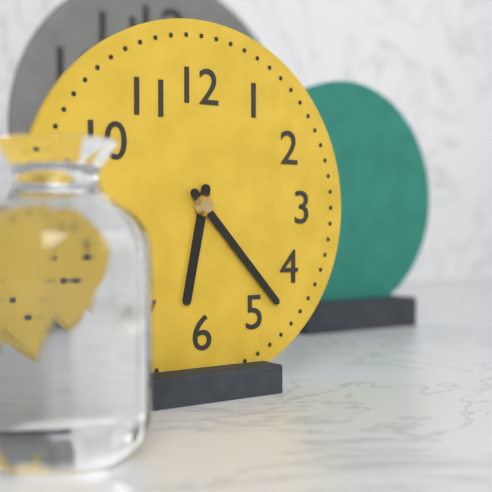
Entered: 6.23
